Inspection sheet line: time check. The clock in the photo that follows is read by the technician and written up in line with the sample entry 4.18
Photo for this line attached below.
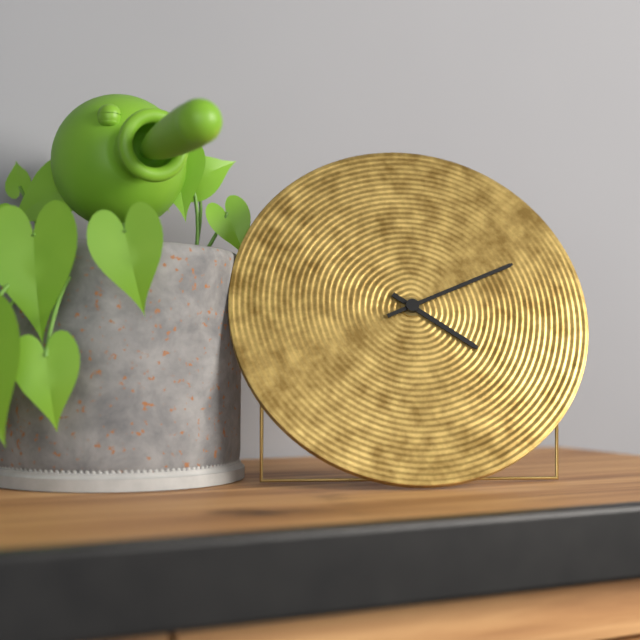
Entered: 4.11
